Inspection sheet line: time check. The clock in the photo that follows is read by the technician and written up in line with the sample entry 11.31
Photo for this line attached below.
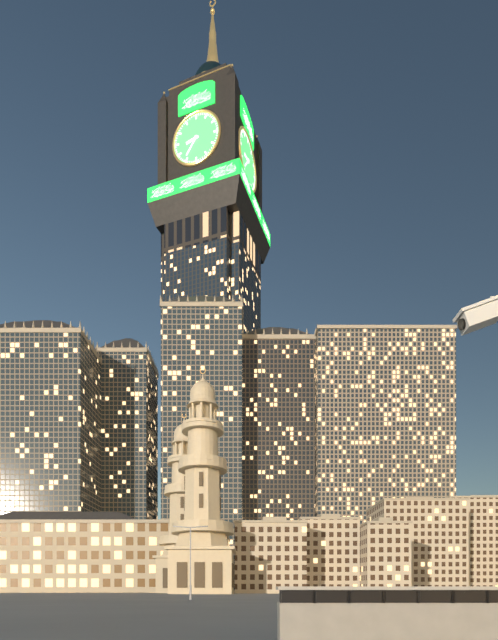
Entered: 8.36
